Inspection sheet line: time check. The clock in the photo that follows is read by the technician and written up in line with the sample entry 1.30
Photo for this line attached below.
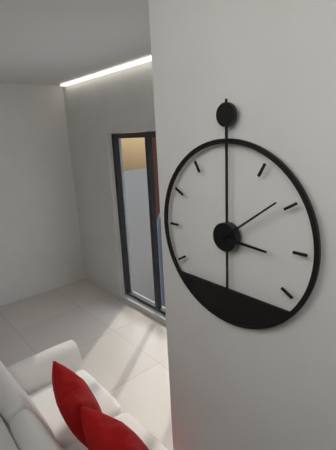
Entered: 3.09
